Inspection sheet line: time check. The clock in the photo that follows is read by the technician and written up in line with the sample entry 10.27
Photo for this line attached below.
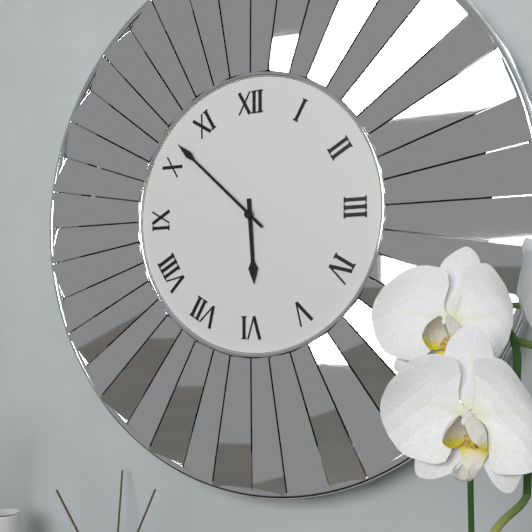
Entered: 5.52
